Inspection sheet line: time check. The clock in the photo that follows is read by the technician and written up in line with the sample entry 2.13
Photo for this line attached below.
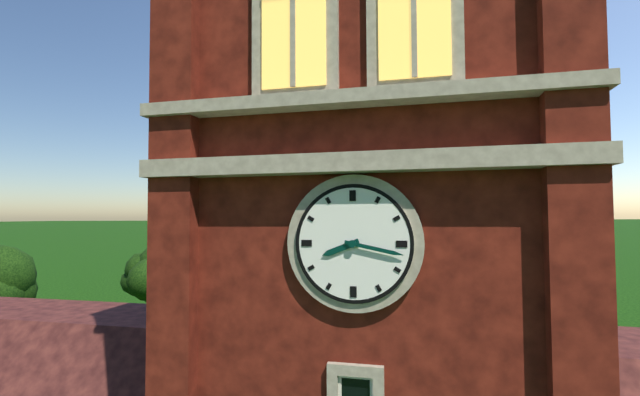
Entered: 8.17
